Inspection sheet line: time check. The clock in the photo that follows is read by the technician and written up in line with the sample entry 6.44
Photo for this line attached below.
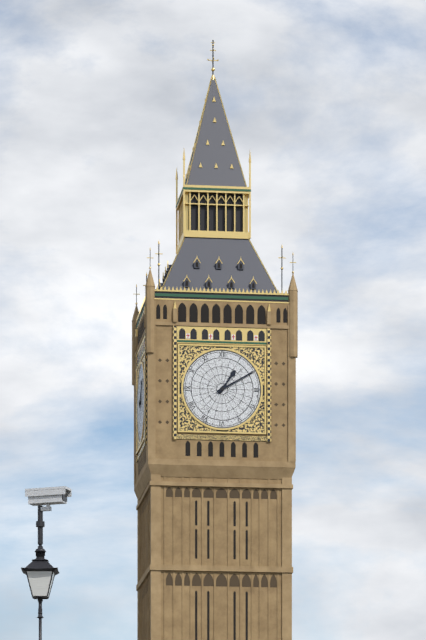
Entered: 1.10
